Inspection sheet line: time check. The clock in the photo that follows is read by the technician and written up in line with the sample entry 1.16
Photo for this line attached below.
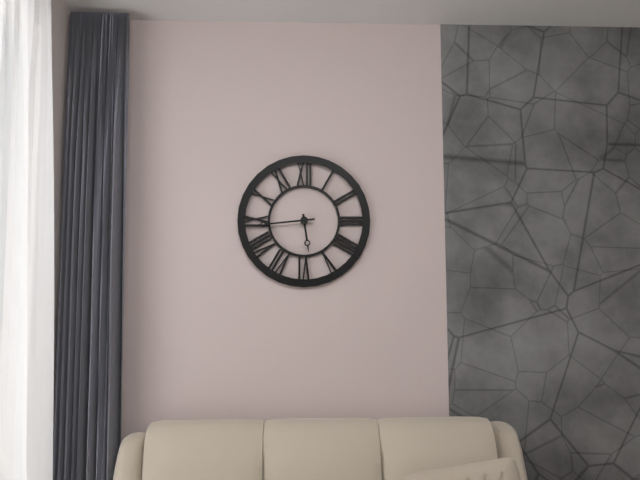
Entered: 5.44
